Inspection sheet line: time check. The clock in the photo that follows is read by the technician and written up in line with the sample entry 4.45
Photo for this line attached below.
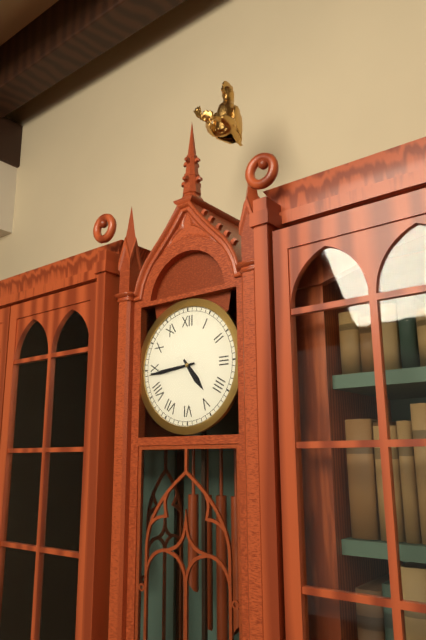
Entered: 4.44
